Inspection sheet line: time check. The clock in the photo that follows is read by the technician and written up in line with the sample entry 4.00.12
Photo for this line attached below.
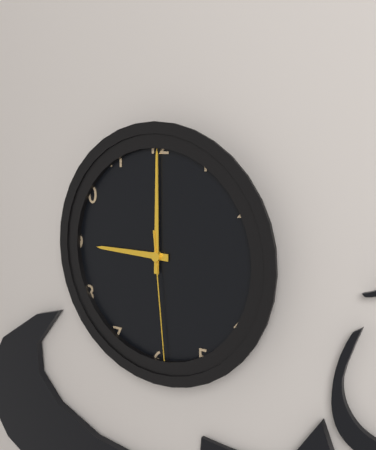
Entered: 9.00.29
